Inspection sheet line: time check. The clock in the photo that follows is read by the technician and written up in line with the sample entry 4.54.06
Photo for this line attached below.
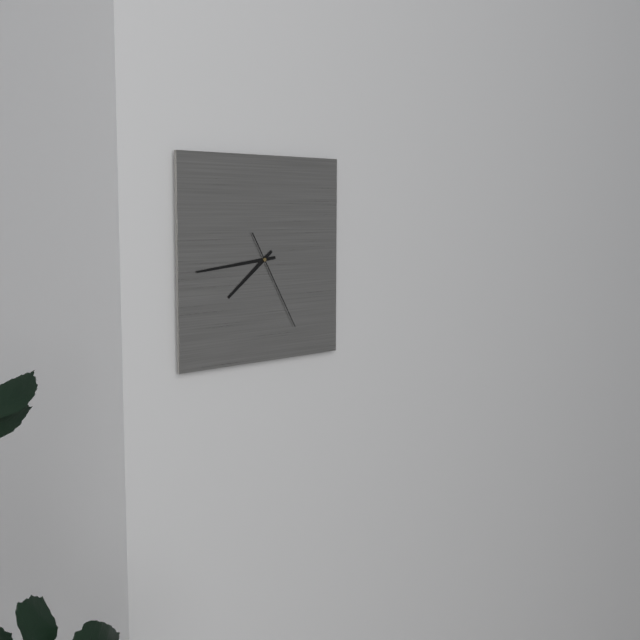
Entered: 7.44.25
